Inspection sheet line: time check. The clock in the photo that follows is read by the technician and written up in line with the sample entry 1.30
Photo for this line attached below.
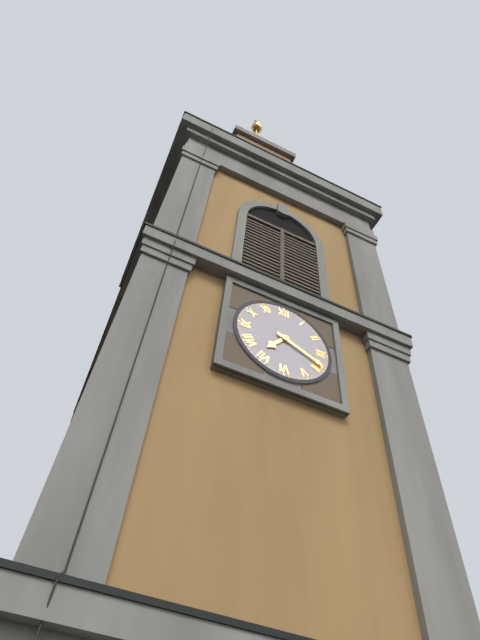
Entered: 7.19
